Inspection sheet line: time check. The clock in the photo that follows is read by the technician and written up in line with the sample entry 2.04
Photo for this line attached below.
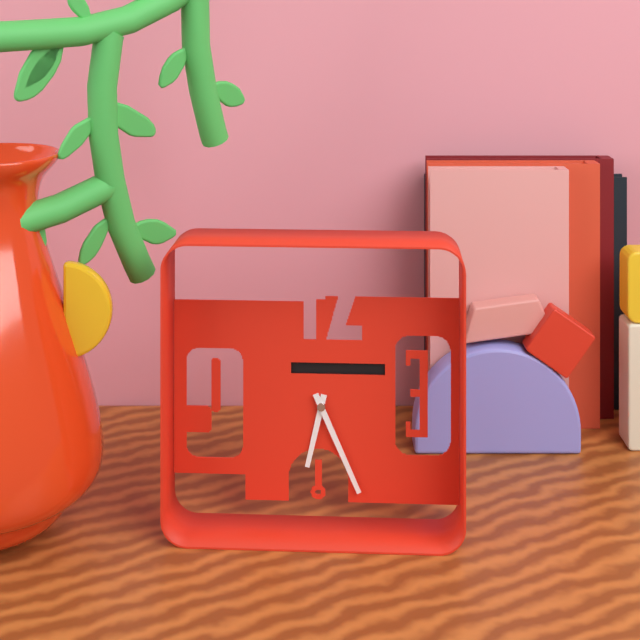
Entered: 6.26
